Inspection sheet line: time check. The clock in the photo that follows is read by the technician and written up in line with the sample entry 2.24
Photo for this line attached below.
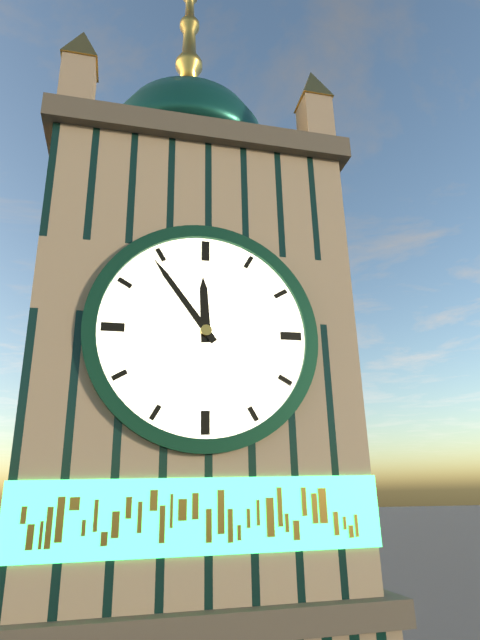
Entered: 11.54
